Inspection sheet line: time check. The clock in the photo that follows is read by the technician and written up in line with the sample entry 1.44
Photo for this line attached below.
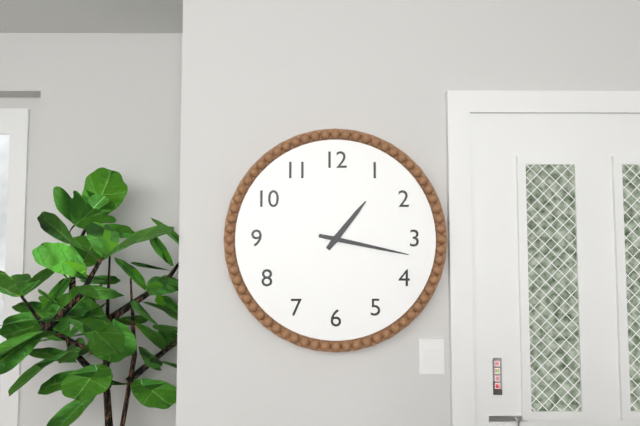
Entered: 1.17
